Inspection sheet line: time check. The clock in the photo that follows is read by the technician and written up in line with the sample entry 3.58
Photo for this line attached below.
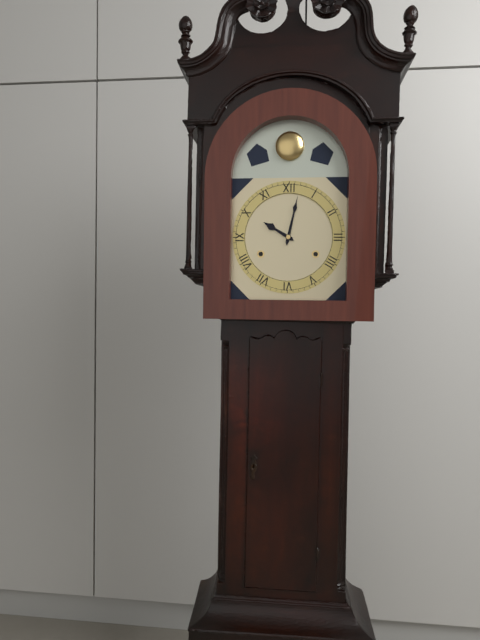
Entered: 10.02
